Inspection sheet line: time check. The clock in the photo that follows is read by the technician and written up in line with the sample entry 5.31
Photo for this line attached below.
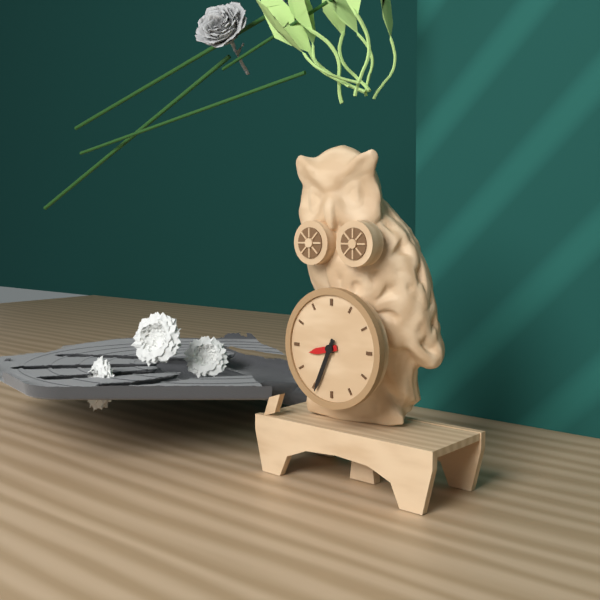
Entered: 8.34
